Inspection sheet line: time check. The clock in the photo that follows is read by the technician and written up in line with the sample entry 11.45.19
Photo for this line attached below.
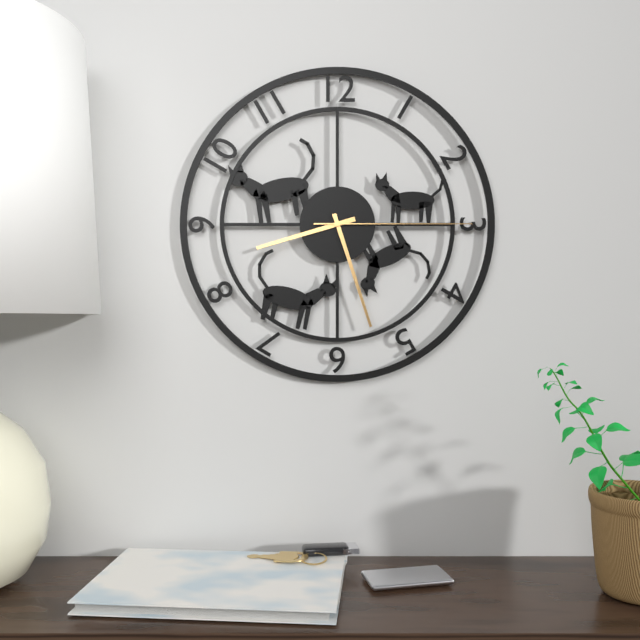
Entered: 8.27.15
